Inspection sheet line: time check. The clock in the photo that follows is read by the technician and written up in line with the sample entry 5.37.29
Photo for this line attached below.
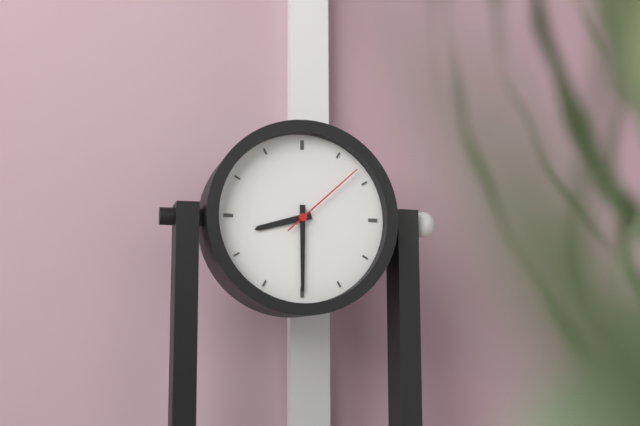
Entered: 8.30.08
